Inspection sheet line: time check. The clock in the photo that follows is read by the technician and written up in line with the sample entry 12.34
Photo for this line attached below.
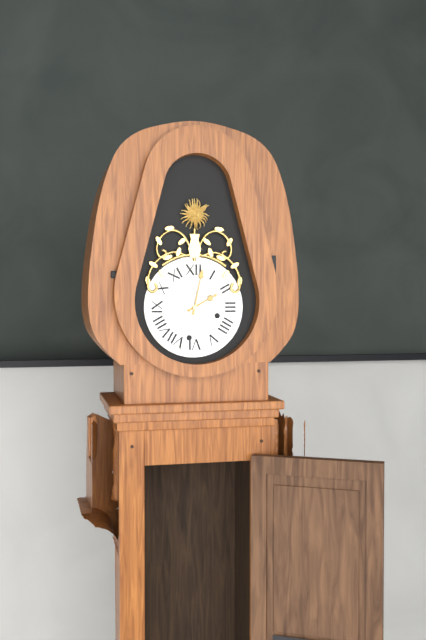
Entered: 2.02
